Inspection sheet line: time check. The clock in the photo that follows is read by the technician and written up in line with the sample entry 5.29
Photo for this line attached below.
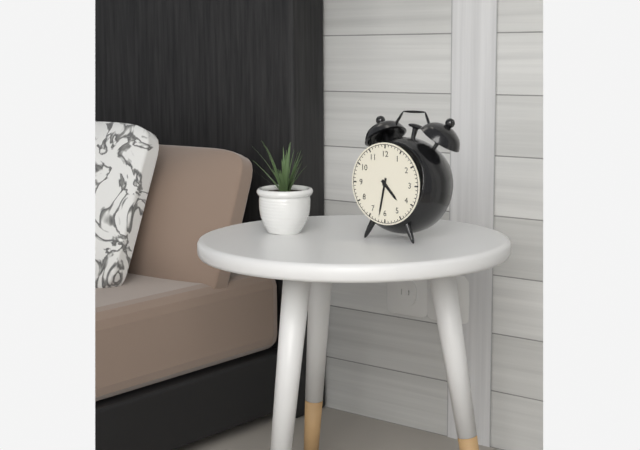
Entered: 4.32
